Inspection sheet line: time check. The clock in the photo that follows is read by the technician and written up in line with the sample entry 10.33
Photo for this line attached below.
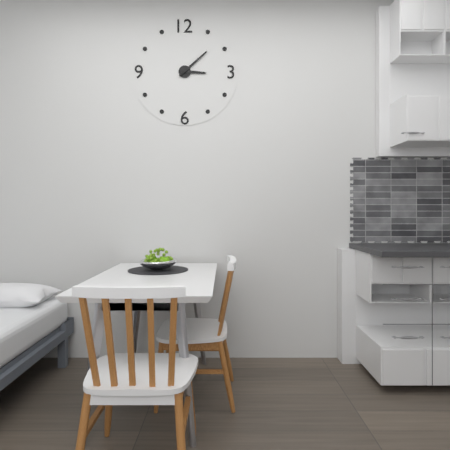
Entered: 3.08
